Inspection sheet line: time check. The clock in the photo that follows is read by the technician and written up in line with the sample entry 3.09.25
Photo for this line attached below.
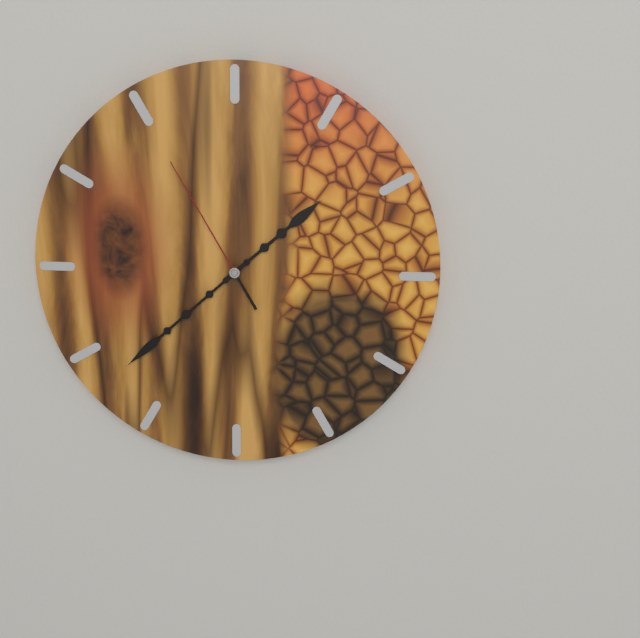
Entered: 1.38.55
